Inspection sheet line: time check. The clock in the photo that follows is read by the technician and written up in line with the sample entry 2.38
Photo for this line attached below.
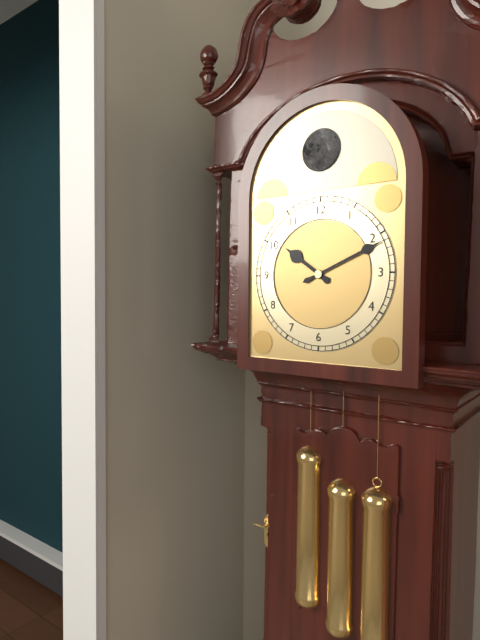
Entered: 10.11
